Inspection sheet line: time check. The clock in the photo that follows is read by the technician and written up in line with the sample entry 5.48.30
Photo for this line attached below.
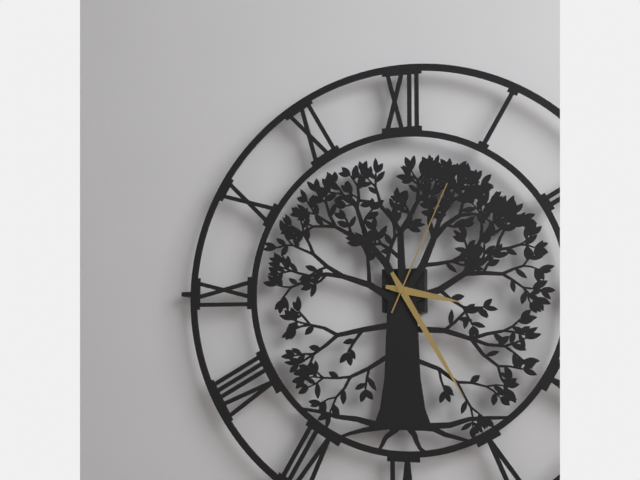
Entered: 3.25.04
